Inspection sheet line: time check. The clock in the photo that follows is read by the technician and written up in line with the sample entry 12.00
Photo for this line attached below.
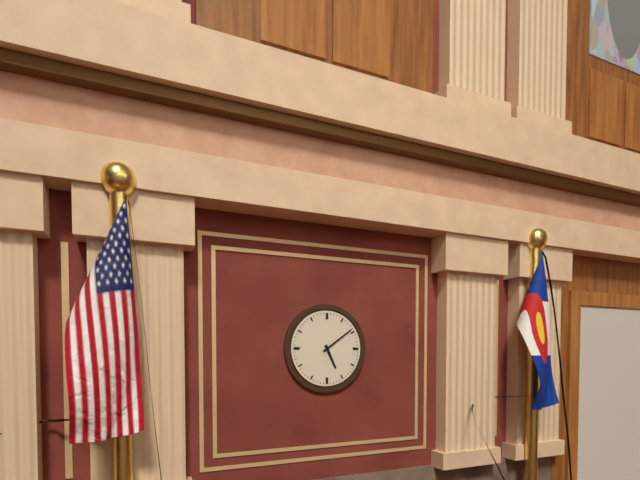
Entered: 5.09
